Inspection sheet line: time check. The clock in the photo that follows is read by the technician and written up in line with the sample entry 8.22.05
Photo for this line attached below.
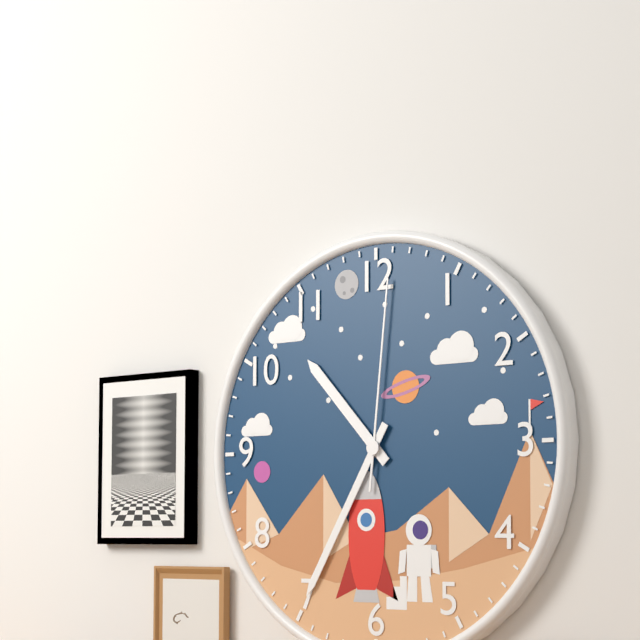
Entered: 10.35.01
